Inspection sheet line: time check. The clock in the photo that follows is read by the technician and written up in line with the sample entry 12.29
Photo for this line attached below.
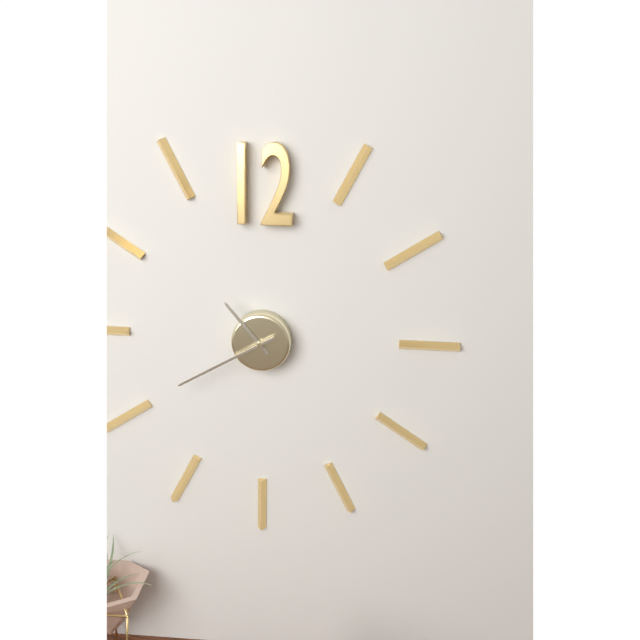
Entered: 10.40
